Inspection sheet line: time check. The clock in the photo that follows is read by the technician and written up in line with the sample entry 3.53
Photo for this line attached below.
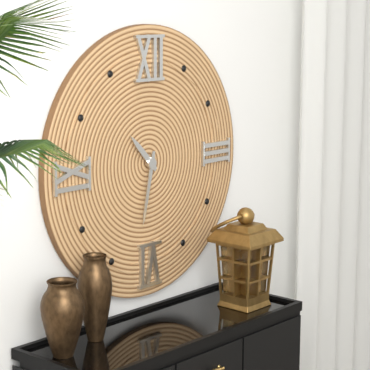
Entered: 10.32
